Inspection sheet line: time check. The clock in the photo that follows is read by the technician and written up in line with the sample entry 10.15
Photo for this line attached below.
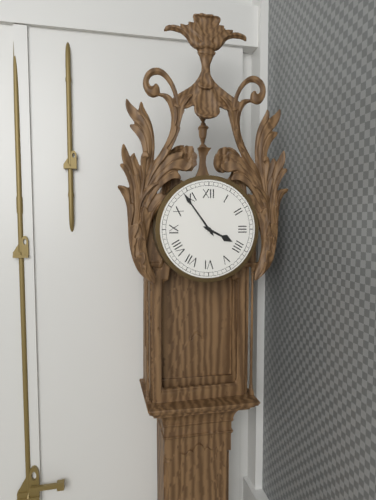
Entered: 3.54
